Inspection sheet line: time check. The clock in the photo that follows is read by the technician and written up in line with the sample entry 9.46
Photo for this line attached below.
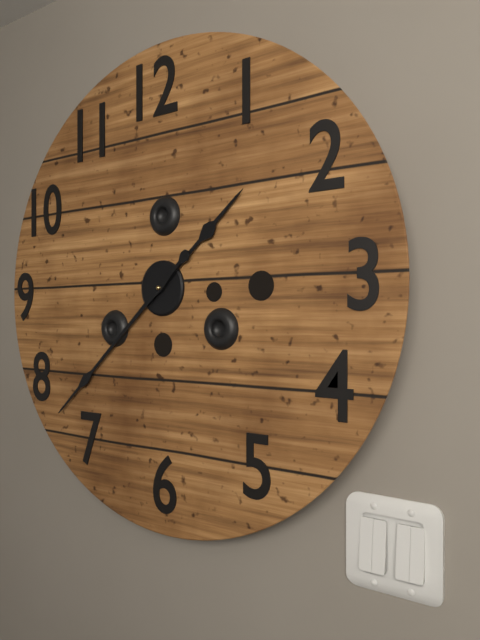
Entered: 1.38
